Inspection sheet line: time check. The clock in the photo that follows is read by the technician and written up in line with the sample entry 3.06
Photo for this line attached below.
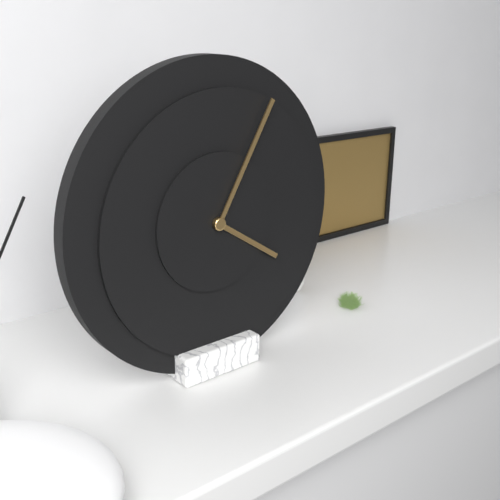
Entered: 4.05
